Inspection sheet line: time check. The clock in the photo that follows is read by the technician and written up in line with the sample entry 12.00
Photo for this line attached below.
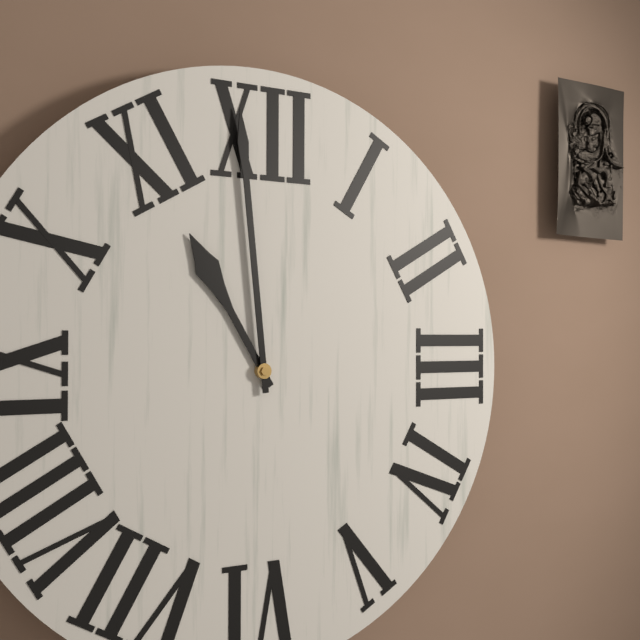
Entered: 10.59
